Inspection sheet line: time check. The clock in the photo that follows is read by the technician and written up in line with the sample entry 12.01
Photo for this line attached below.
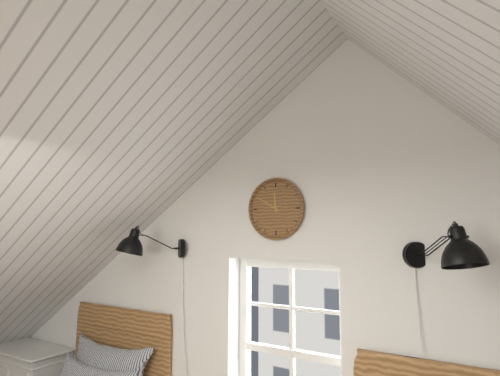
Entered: 11.50
